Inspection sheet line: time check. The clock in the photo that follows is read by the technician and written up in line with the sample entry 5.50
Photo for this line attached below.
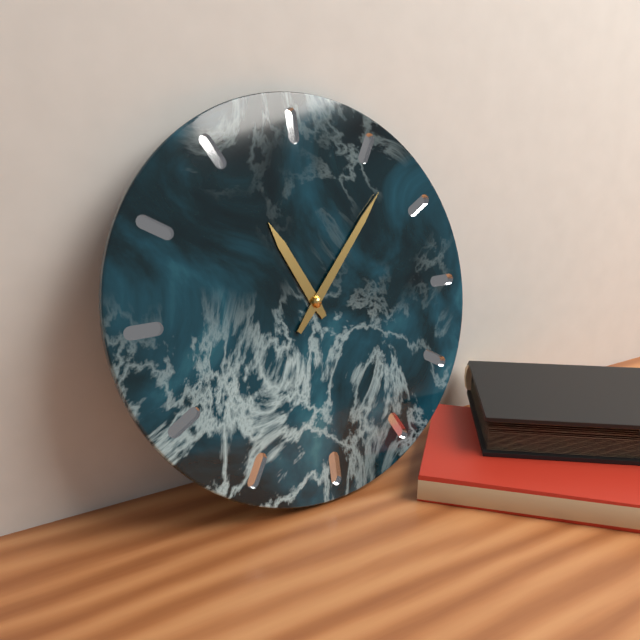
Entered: 11.07
